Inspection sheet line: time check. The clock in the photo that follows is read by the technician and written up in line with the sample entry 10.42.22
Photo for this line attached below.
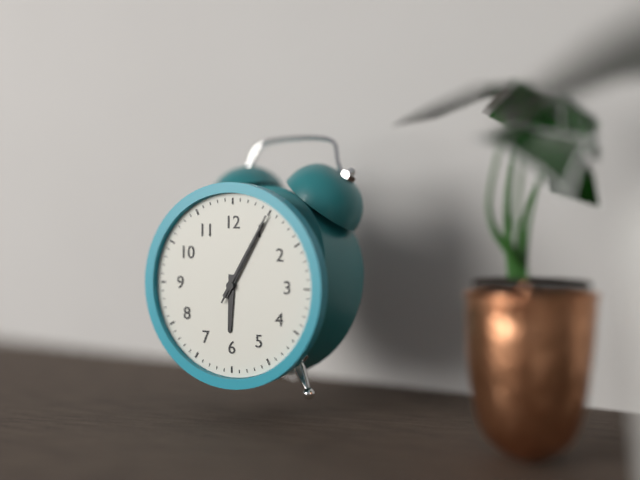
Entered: 6.05.05
